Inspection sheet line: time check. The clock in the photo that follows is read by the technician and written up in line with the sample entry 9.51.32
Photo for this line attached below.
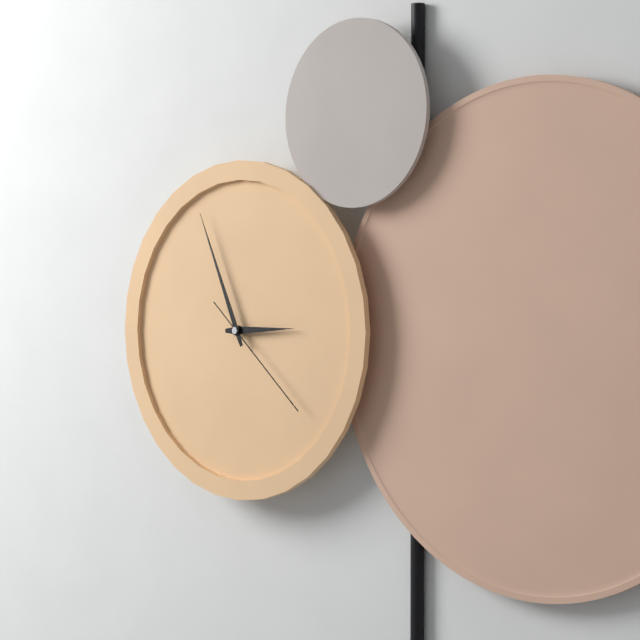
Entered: 2.56.22
